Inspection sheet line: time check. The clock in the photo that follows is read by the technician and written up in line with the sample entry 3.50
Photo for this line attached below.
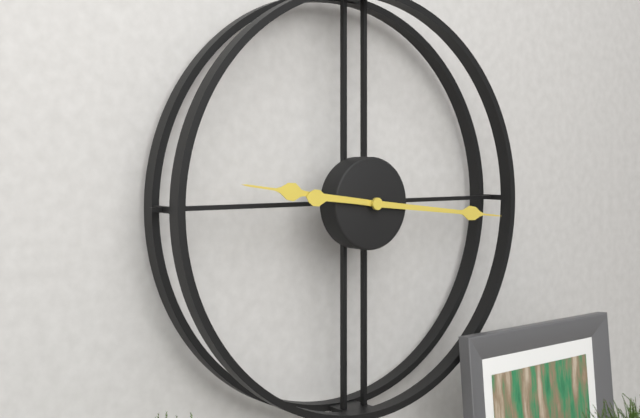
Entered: 9.16
